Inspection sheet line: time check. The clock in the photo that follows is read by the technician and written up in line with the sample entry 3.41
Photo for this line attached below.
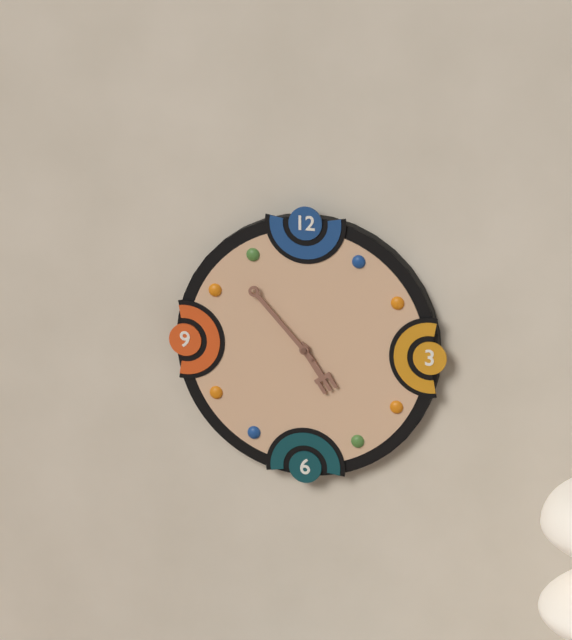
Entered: 4.53
